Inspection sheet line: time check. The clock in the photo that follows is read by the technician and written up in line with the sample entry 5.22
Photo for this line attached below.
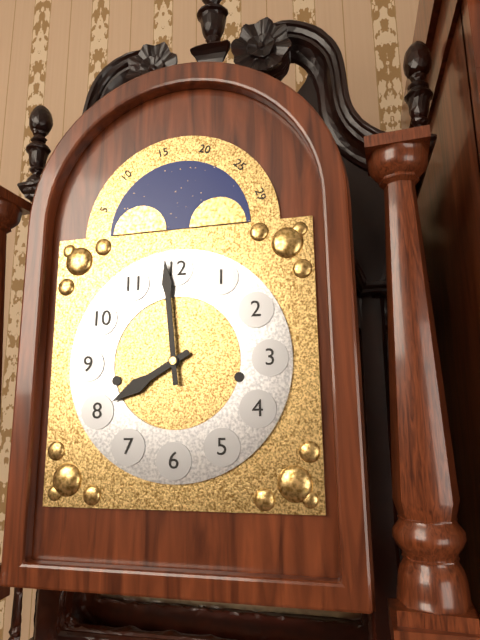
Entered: 7.59
